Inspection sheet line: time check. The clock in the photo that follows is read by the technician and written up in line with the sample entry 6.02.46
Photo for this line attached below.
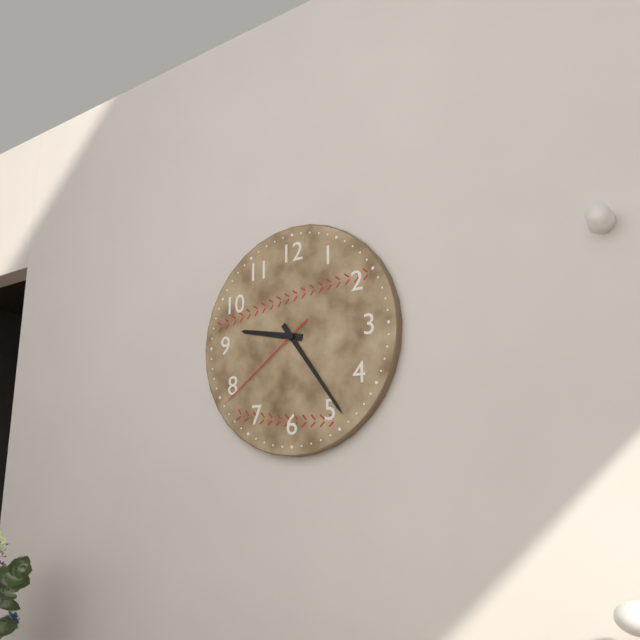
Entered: 9.24.39
